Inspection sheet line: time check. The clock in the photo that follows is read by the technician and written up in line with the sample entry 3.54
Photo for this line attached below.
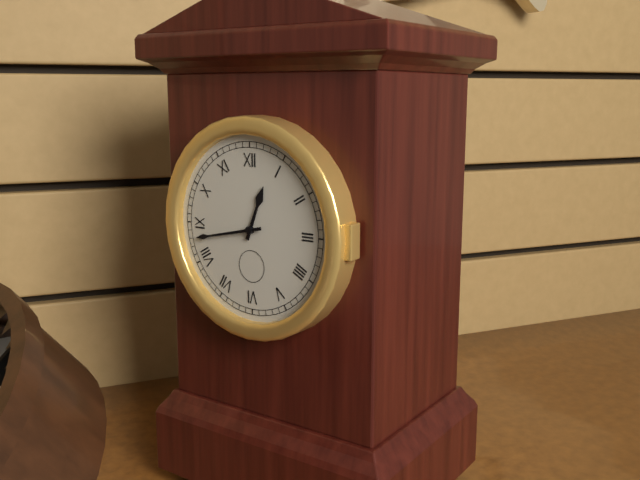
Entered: 12.43
